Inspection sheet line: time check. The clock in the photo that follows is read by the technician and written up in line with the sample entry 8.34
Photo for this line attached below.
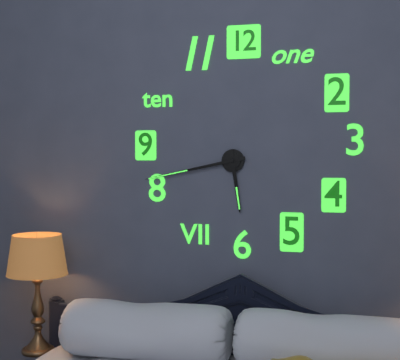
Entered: 5.43
